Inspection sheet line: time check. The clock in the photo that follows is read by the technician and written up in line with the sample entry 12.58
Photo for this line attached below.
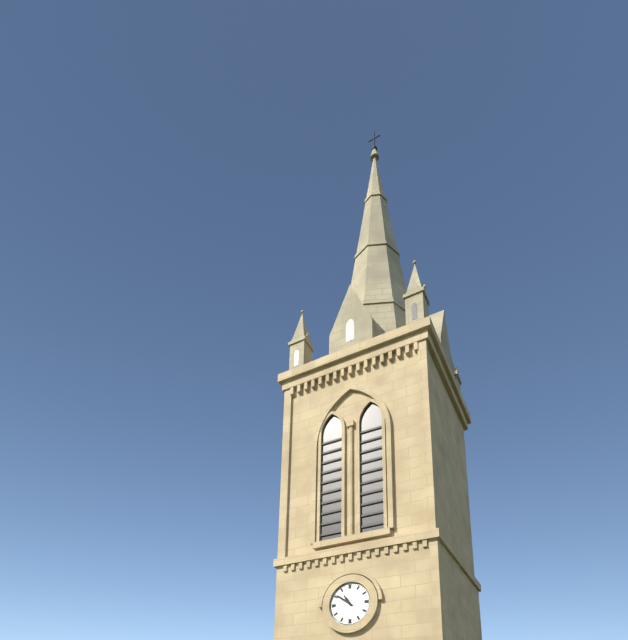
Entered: 10.51
